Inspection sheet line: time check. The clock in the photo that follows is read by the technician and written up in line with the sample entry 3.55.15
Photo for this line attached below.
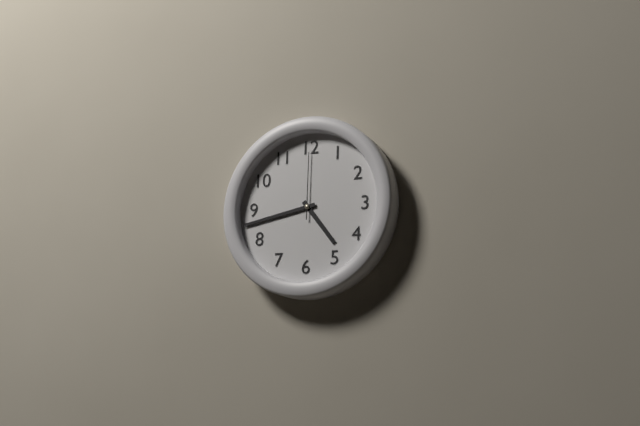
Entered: 4.43.00
